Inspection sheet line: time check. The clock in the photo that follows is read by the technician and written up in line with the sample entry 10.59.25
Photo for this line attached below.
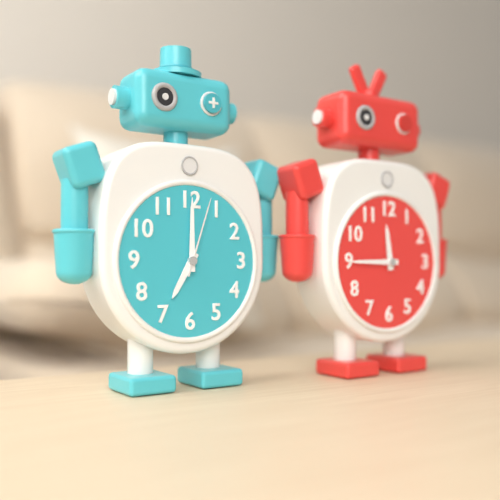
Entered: 7.00.03
